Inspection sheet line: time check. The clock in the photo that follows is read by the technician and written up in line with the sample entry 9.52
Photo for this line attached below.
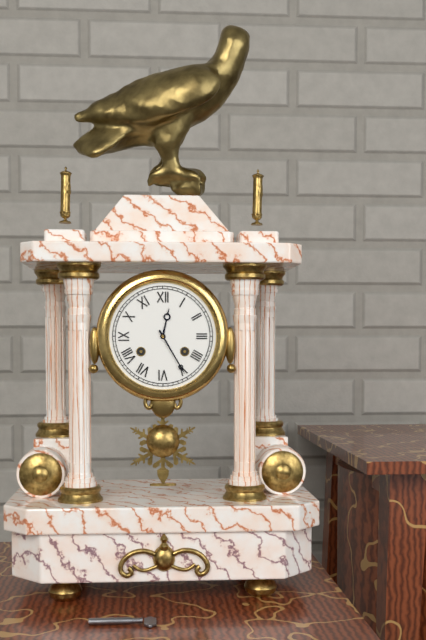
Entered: 12.25
